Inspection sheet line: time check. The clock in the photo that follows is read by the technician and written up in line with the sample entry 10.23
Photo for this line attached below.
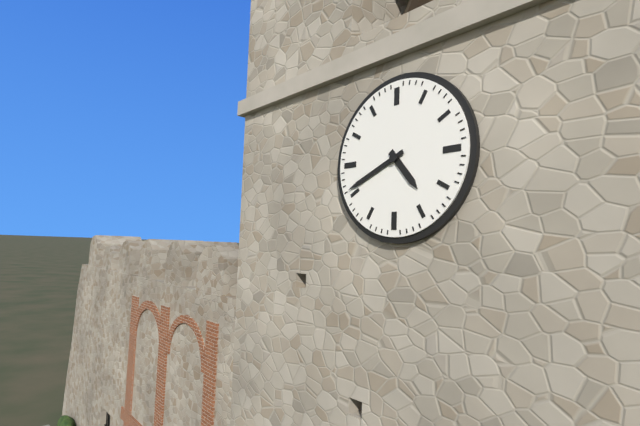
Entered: 4.41
